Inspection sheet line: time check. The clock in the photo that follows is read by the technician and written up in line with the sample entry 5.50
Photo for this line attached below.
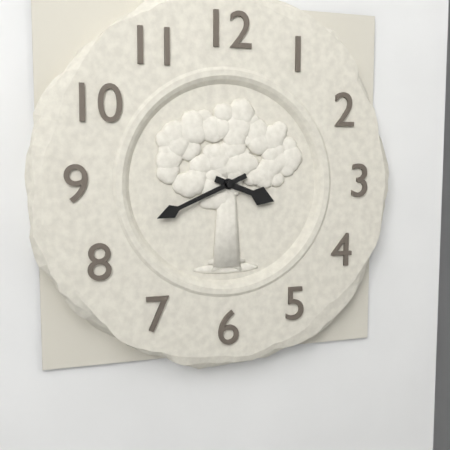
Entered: 3.41
